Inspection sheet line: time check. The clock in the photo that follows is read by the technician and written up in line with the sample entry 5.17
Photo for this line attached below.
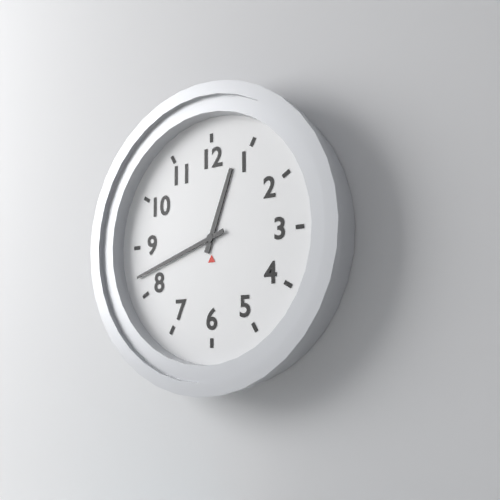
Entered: 12.42
